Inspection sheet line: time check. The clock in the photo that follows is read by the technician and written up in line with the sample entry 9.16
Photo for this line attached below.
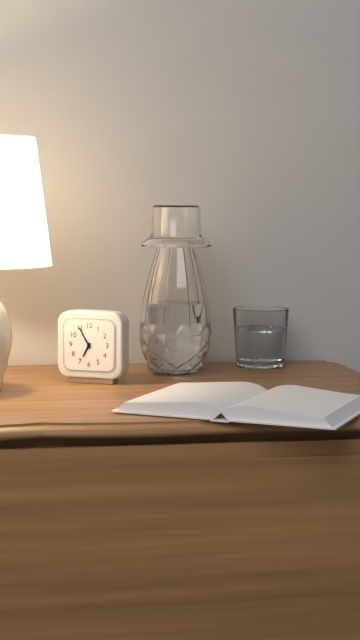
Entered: 6.55
